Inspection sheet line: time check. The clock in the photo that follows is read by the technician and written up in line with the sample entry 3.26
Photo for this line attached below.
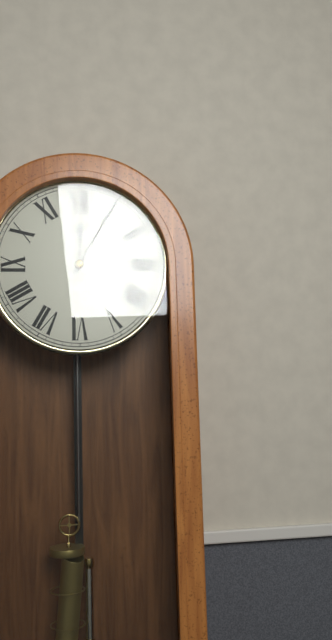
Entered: 12.05
